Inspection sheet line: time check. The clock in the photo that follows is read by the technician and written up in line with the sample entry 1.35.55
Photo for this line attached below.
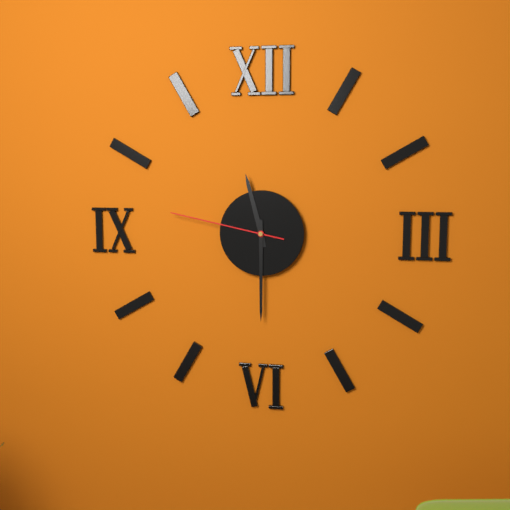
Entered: 11.30.47
